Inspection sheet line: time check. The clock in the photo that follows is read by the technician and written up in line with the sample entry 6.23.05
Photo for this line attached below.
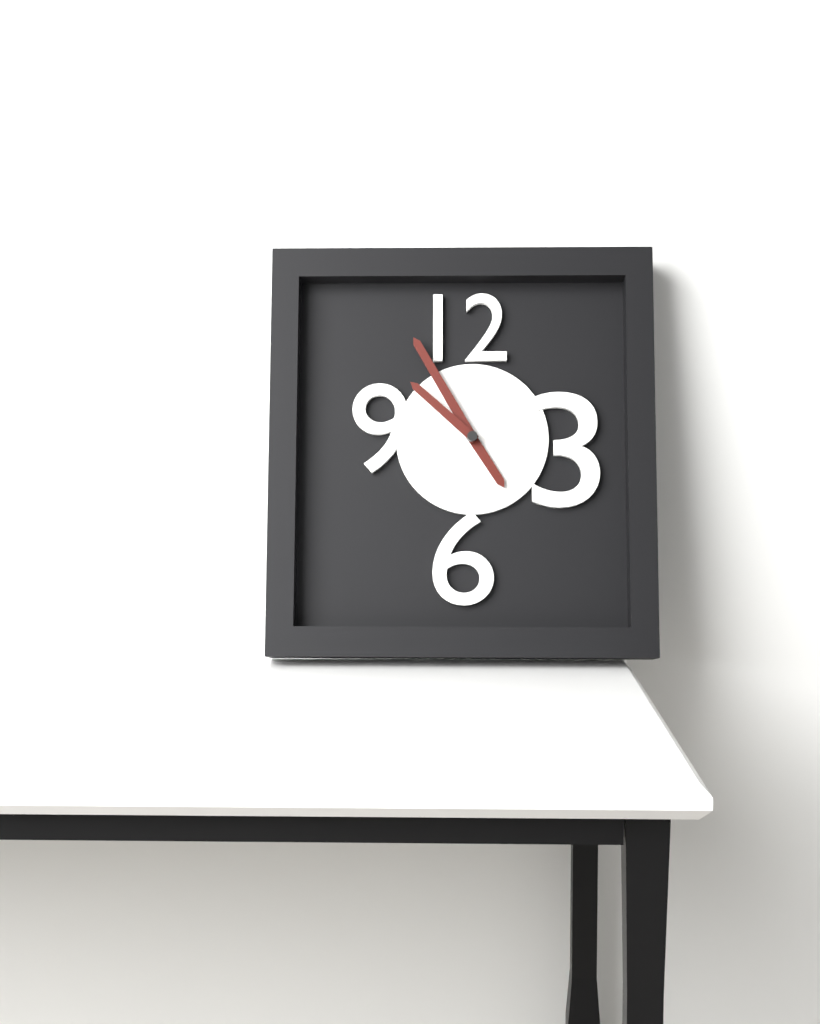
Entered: 4.55.52
